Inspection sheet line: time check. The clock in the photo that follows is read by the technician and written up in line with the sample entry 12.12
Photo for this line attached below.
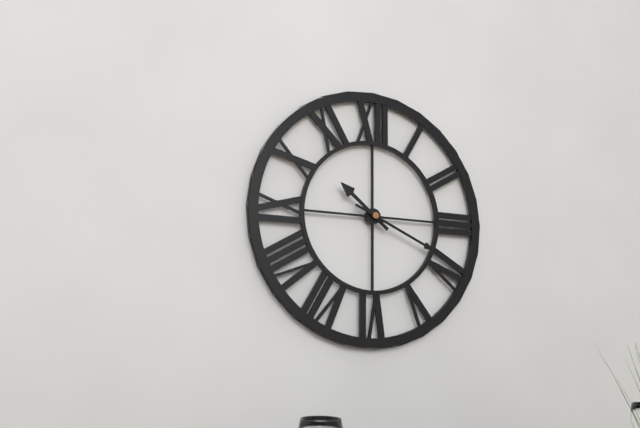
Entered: 10.19
